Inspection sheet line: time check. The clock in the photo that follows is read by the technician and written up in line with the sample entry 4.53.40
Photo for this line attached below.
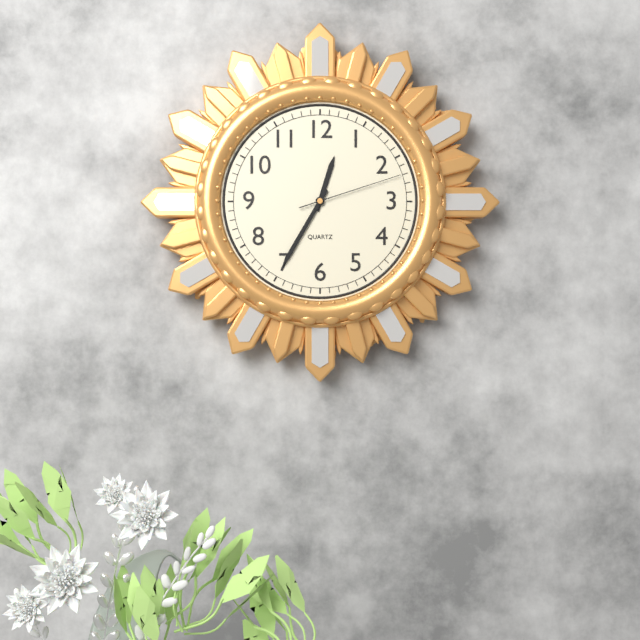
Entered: 12.35.12
